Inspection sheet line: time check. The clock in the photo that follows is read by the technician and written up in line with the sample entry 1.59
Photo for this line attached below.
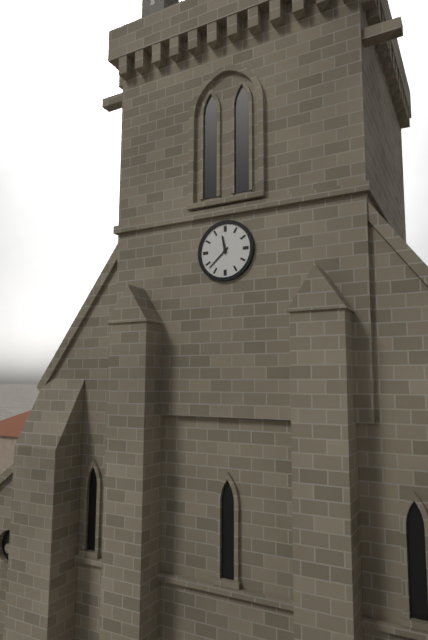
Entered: 11.38
